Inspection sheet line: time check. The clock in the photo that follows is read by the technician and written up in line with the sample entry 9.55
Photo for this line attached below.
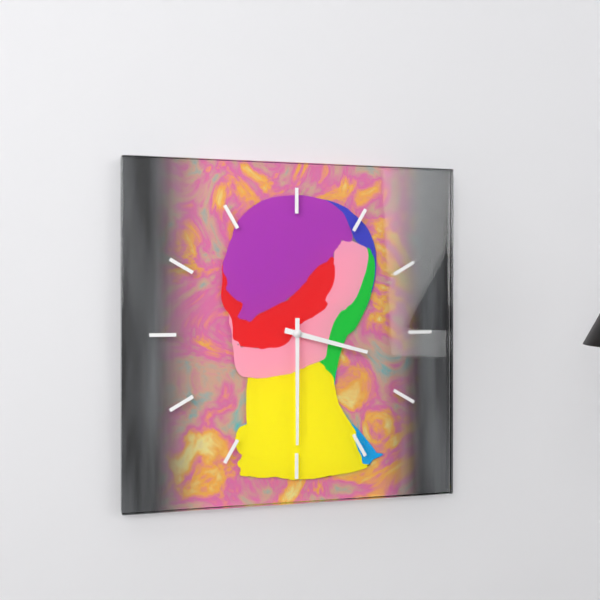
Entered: 3.30
